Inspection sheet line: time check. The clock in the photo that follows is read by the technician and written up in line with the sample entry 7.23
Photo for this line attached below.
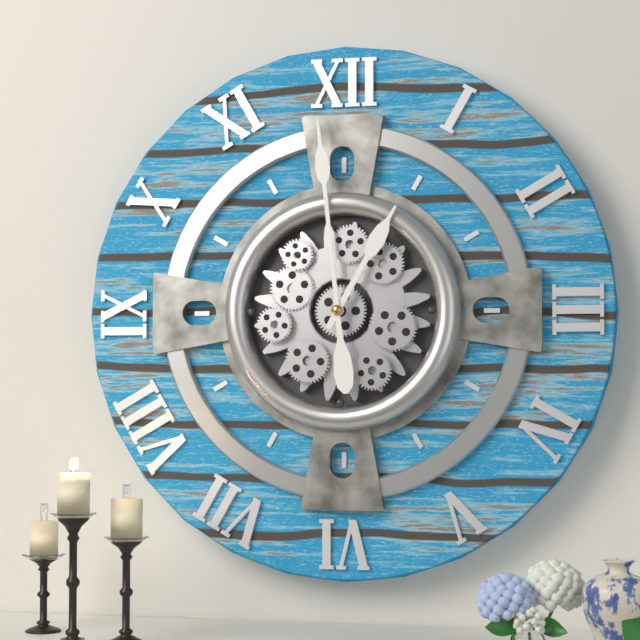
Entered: 12.59
